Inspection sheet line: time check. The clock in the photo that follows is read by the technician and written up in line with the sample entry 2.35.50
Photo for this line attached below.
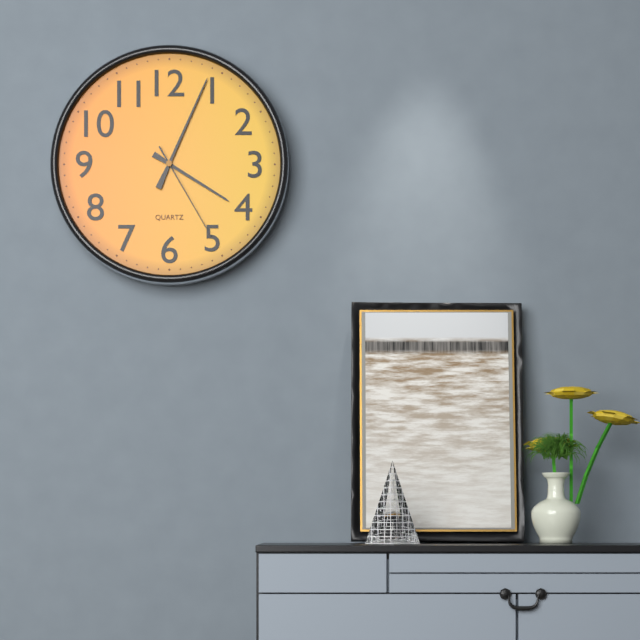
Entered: 4.04.25
